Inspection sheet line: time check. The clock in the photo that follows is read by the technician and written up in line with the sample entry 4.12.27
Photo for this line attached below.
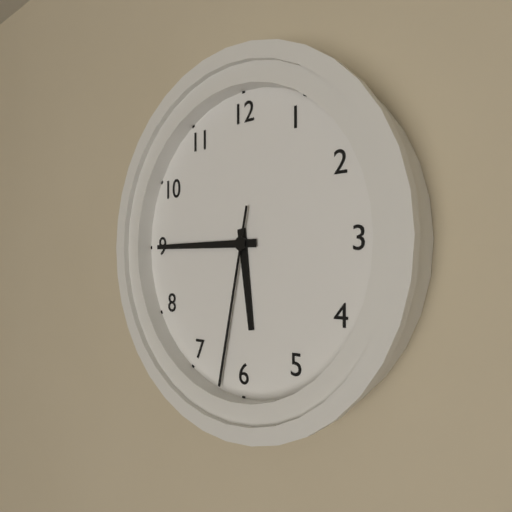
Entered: 5.45.32
